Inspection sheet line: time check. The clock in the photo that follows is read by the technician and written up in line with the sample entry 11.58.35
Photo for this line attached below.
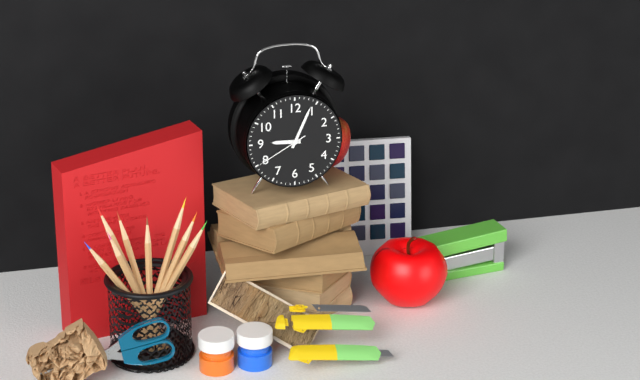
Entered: 9.04.40
